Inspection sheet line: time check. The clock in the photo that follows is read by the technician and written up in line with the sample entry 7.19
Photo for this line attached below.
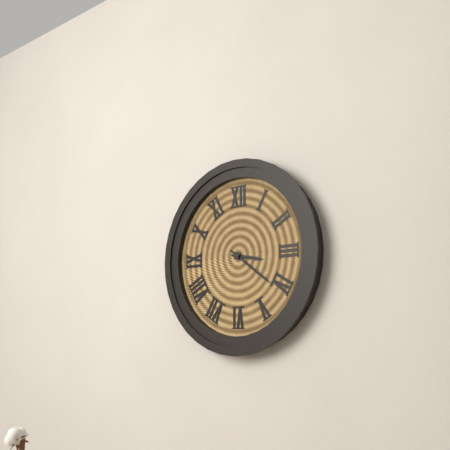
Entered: 3.21
